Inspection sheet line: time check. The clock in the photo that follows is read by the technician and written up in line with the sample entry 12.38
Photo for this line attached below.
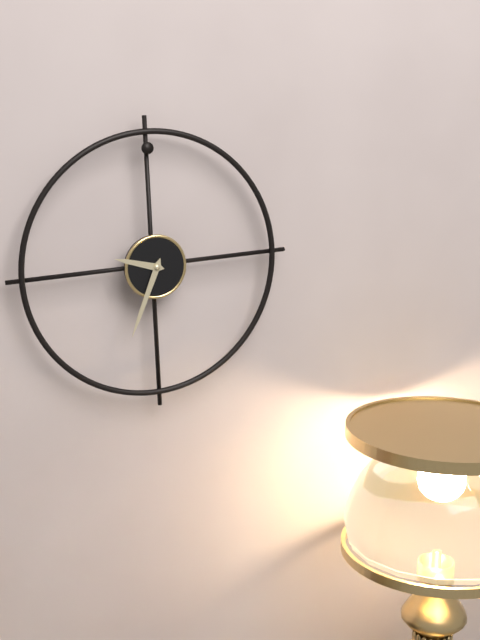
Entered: 9.34
